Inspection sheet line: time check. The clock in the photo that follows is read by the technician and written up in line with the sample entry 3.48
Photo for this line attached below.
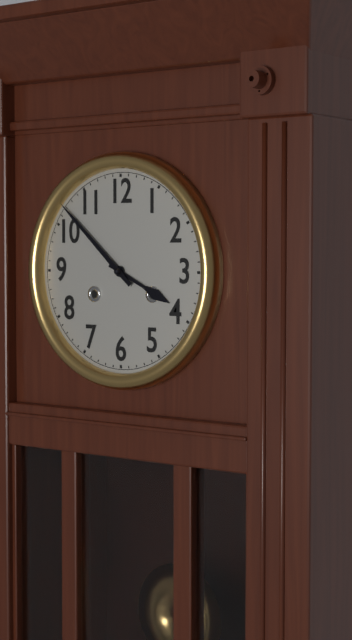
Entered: 3.52
